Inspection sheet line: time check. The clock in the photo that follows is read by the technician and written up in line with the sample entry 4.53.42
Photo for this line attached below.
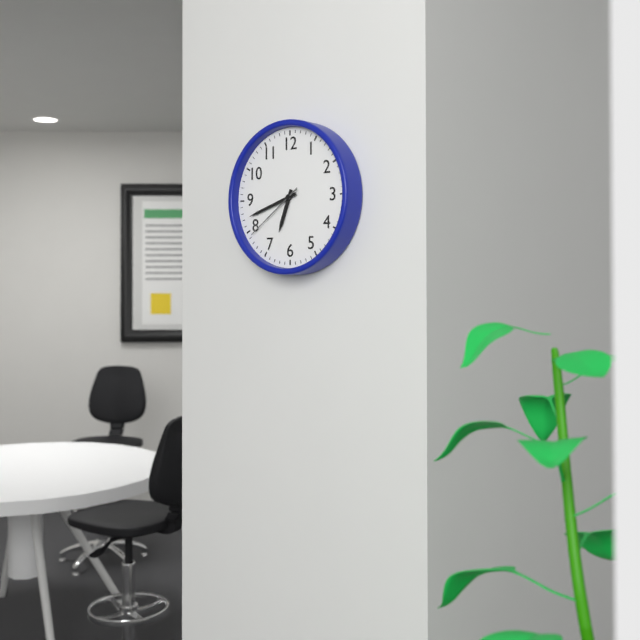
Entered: 6.42.39
